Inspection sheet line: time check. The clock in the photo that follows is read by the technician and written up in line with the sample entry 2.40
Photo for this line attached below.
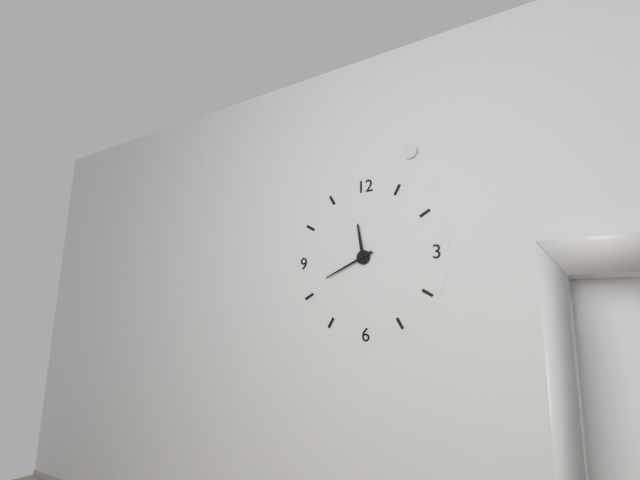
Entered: 11.41
